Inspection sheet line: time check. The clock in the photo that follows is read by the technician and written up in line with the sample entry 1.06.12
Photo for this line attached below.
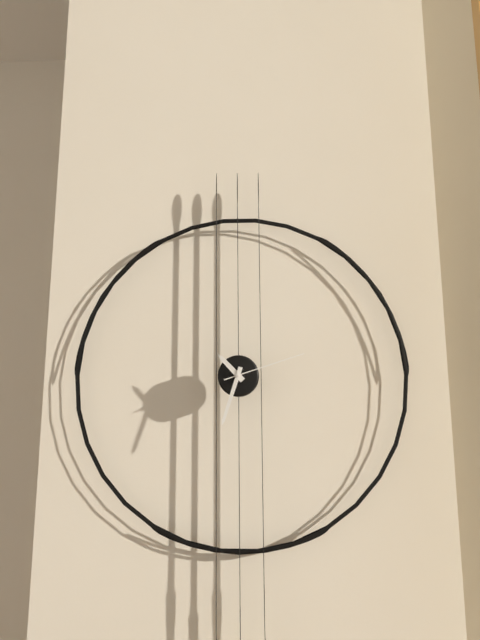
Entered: 10.33.12
